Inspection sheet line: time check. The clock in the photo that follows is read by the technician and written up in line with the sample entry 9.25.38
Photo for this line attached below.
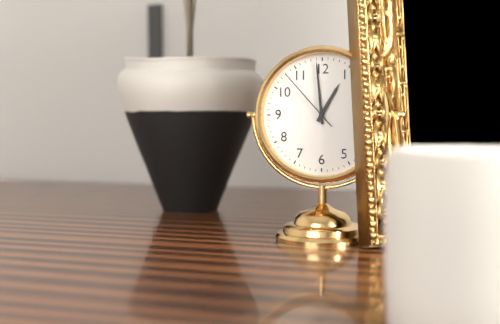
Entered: 12.59.53
